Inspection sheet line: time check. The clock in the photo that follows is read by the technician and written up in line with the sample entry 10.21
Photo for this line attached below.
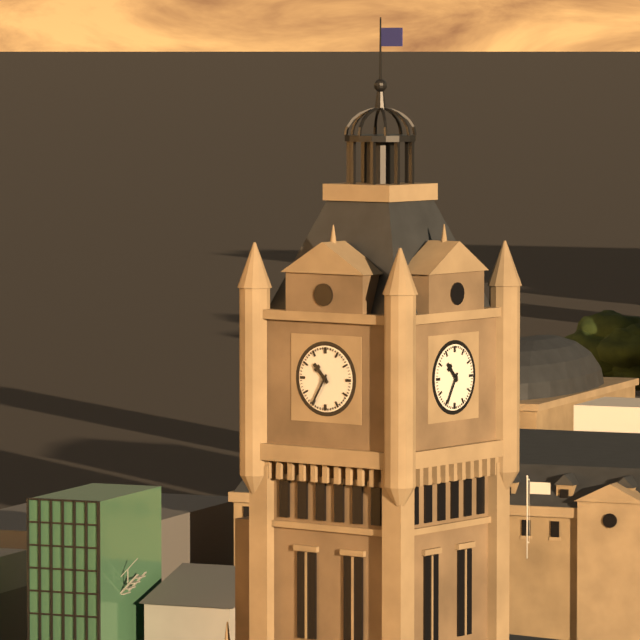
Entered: 10.35
